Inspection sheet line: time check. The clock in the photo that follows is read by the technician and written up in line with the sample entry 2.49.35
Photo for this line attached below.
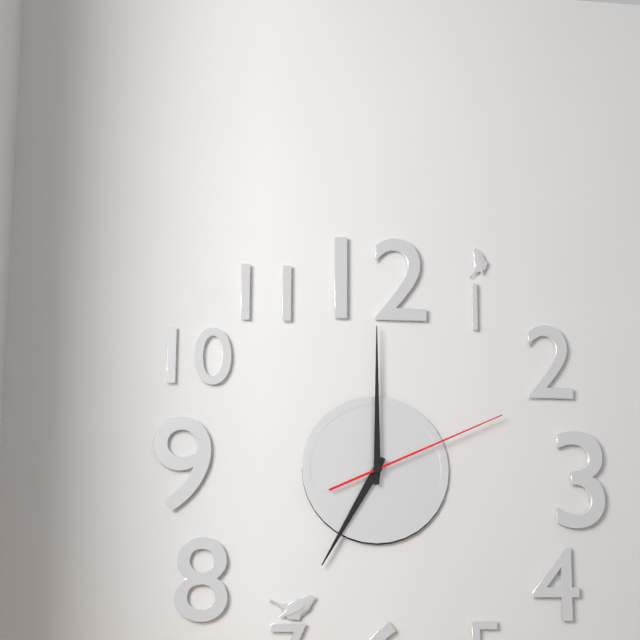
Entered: 7.00.11
